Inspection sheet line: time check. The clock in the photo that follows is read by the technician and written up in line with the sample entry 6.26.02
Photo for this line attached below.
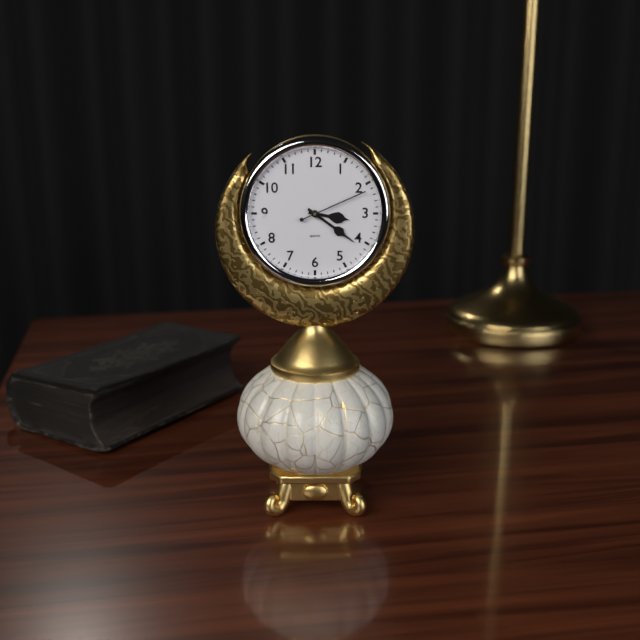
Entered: 3.21.11
